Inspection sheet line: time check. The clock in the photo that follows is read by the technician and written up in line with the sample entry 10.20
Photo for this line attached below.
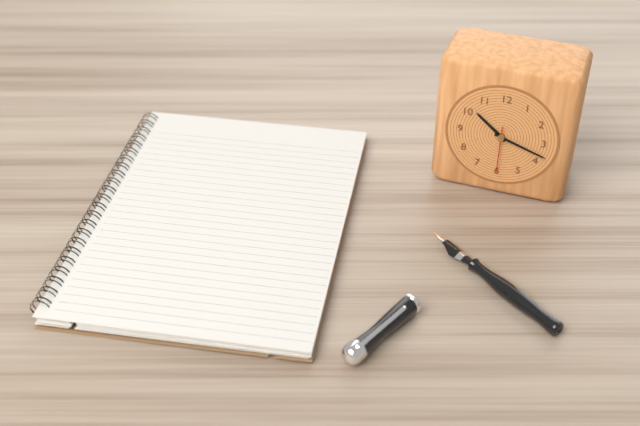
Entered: 10.18
